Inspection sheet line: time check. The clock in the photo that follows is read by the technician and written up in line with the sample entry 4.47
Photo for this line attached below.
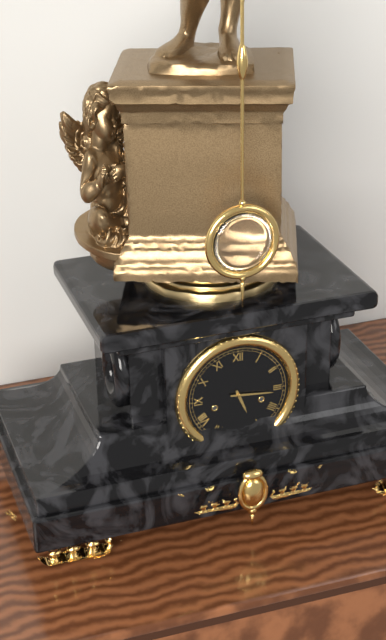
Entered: 5.16
